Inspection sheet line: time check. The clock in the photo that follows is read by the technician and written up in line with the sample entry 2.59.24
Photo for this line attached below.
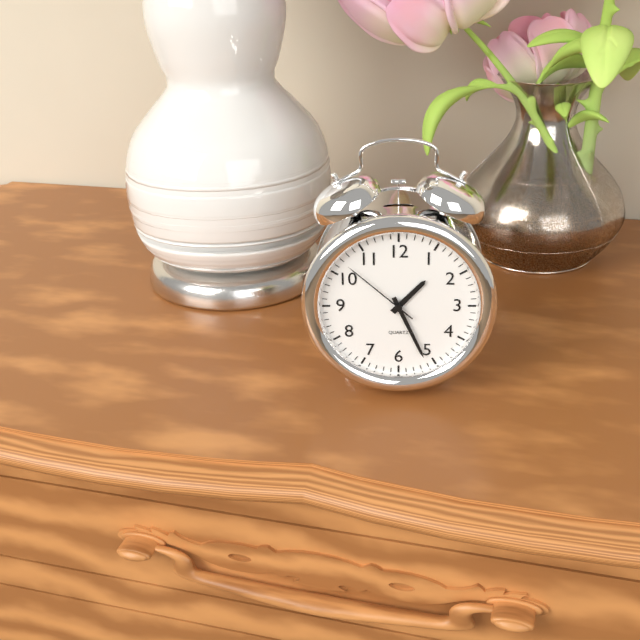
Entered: 1.26.52
